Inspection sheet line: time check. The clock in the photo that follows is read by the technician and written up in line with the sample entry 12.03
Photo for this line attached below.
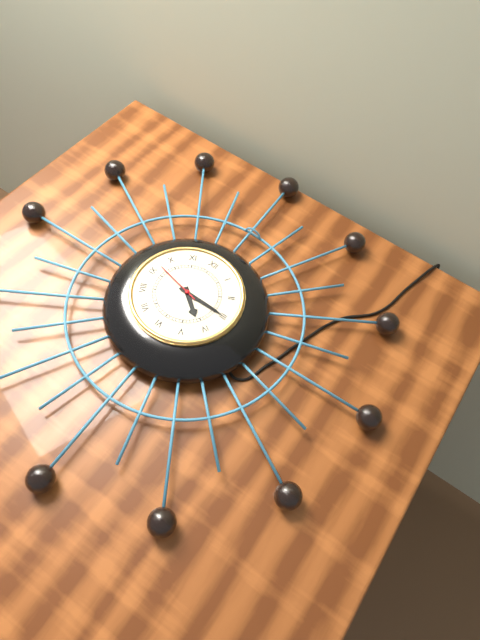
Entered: 4.15
